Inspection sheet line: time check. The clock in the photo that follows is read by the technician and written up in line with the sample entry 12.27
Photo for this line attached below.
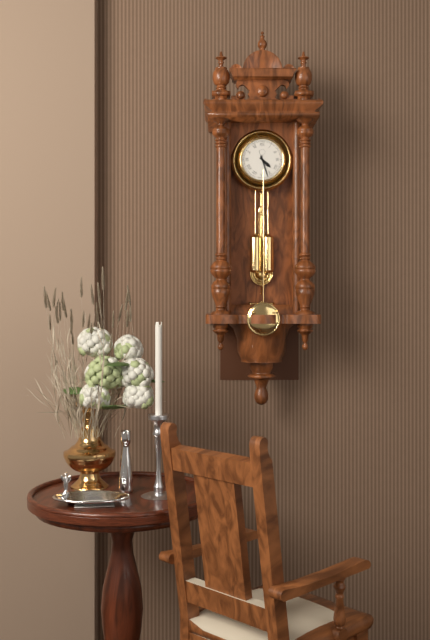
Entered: 4.27
